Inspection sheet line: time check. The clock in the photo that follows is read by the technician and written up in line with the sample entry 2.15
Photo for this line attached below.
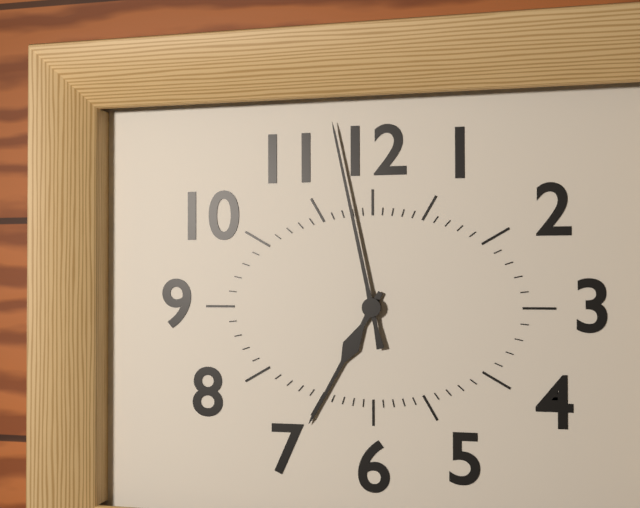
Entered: 6.58
